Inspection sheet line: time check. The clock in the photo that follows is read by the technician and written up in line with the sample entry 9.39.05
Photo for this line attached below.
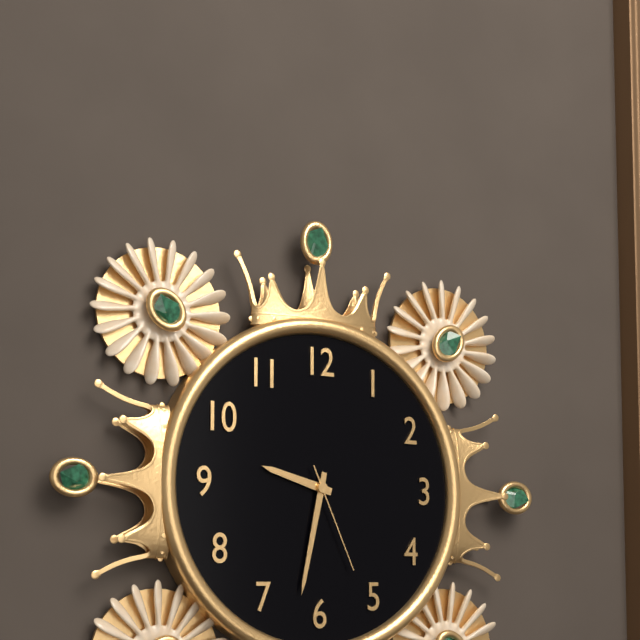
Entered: 9.32.26
